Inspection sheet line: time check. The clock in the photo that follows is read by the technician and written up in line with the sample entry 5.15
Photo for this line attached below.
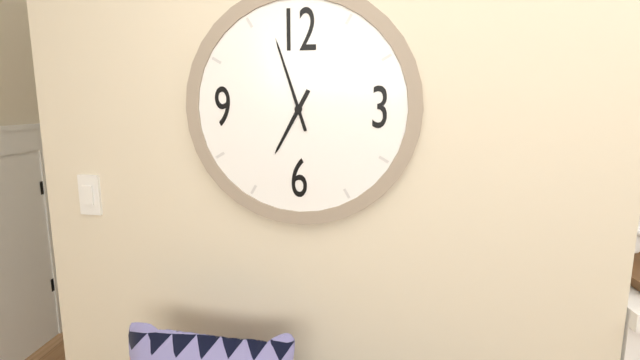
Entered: 6.57
